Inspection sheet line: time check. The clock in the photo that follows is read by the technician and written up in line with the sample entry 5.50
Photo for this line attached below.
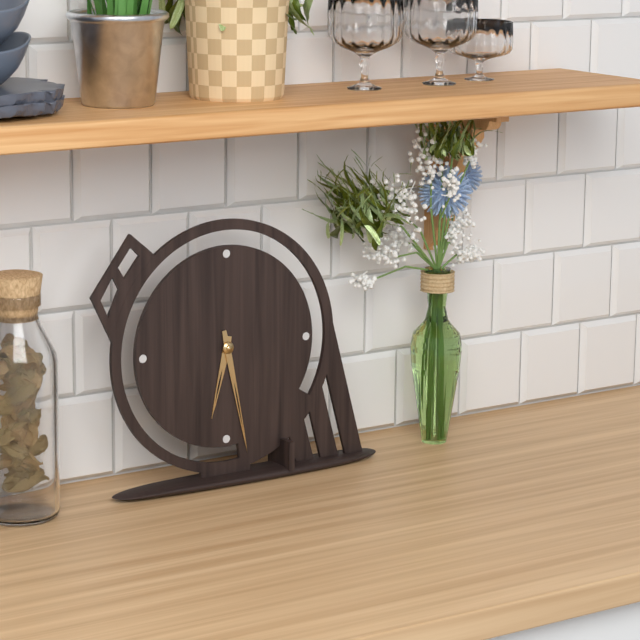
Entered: 6.28
